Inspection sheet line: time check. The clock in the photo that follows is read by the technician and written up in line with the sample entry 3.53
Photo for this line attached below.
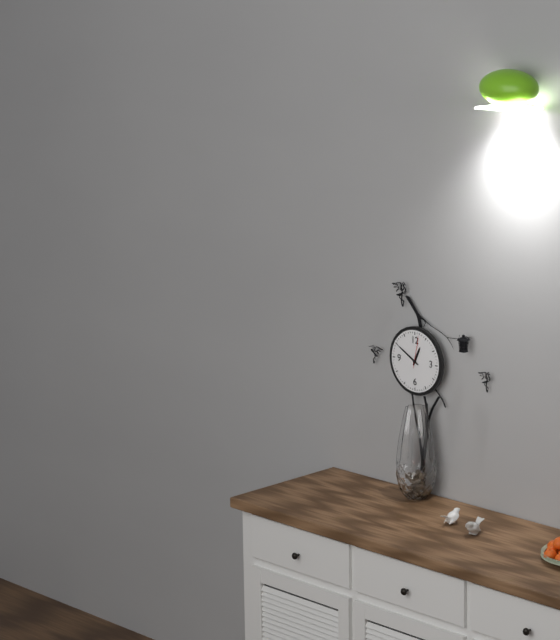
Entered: 12.50
